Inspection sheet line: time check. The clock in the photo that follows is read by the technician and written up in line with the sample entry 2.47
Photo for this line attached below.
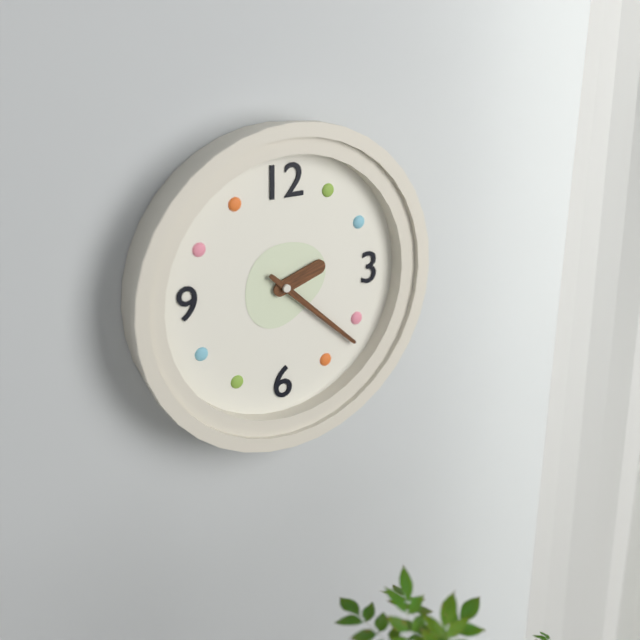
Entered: 2.22
